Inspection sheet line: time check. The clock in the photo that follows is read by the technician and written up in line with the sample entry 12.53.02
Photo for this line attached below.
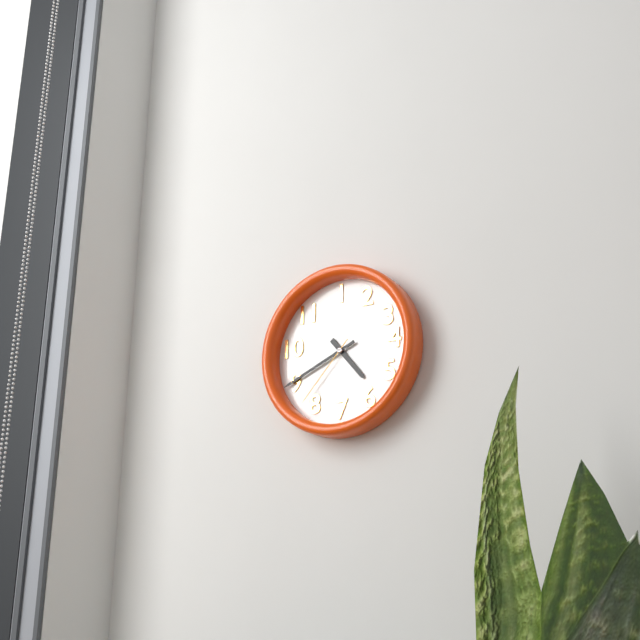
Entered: 4.41.37
